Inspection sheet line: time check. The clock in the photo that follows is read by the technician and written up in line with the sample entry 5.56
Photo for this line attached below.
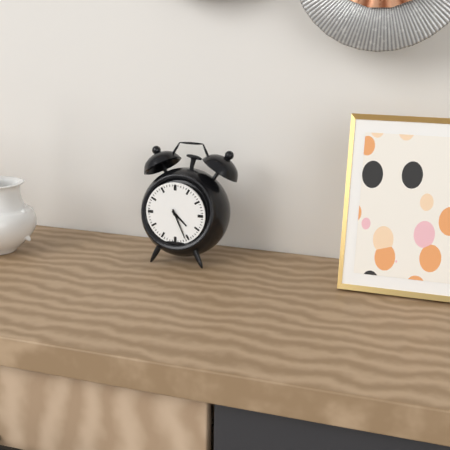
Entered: 4.26
